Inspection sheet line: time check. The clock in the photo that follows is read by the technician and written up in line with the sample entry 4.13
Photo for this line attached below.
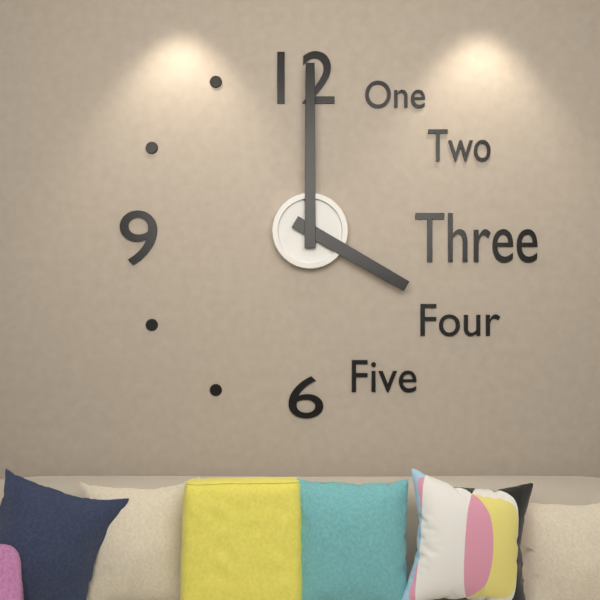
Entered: 4.00
